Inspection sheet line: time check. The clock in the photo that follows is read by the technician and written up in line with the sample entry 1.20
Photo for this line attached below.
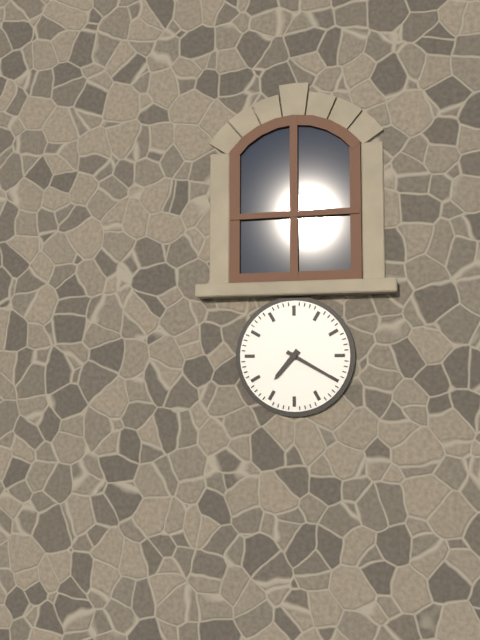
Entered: 7.20
